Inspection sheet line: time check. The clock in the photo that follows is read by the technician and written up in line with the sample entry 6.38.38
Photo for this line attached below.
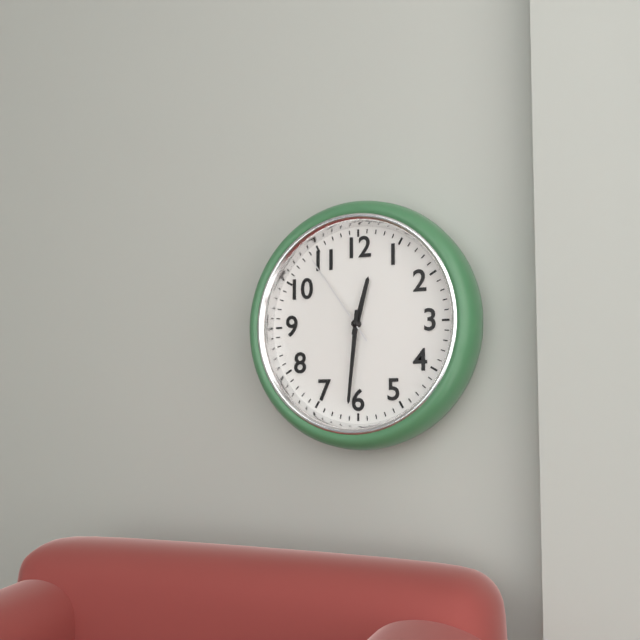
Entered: 12.31.54
